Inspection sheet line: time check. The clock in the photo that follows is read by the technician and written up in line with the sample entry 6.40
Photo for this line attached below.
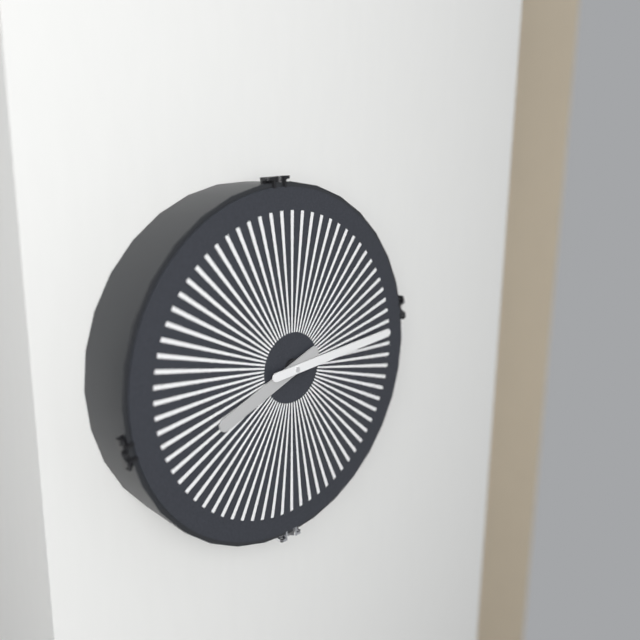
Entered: 8.14
